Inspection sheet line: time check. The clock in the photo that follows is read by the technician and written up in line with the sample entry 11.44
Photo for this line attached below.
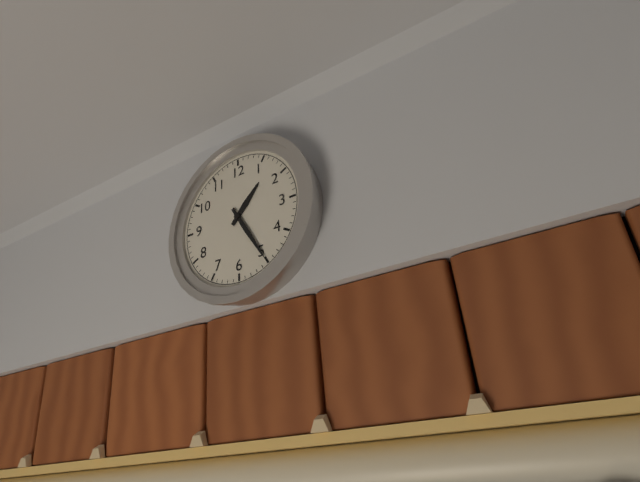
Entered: 1.25
